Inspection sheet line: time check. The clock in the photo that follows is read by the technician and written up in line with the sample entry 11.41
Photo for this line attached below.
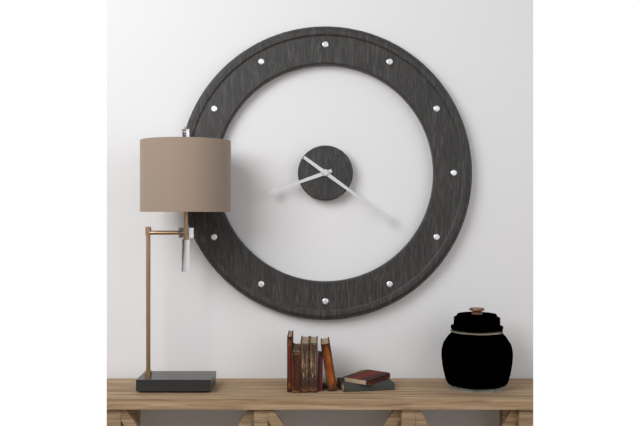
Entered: 8.21
